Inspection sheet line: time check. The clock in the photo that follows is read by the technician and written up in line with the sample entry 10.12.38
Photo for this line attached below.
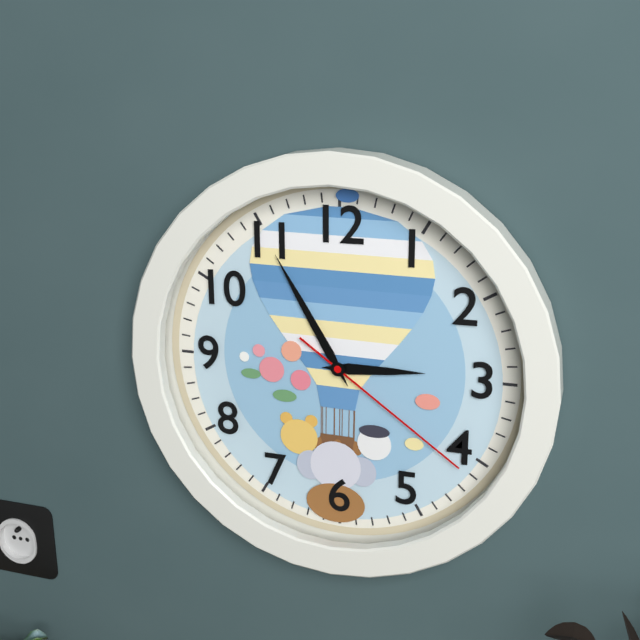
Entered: 2.55.21
